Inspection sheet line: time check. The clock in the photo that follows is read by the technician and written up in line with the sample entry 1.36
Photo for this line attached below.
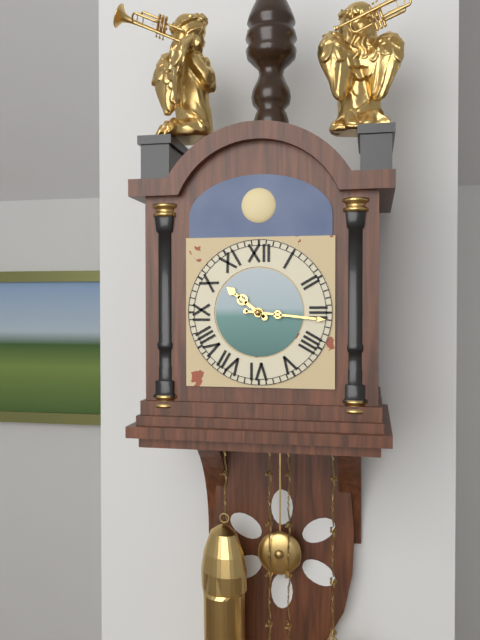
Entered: 10.16
